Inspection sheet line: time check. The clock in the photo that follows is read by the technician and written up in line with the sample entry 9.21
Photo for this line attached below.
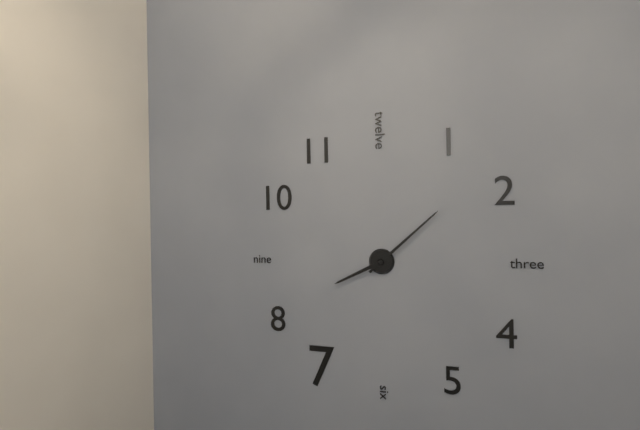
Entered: 8.08
